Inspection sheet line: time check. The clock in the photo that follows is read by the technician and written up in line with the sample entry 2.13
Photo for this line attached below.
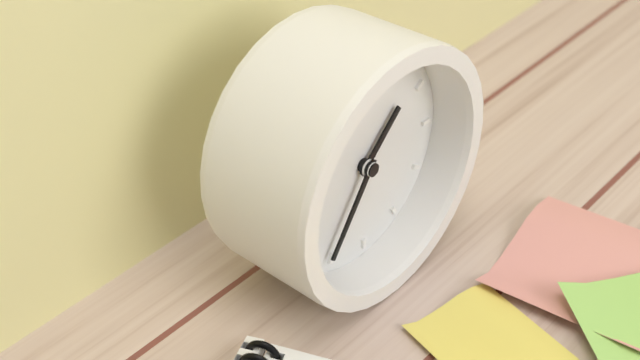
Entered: 1.36
